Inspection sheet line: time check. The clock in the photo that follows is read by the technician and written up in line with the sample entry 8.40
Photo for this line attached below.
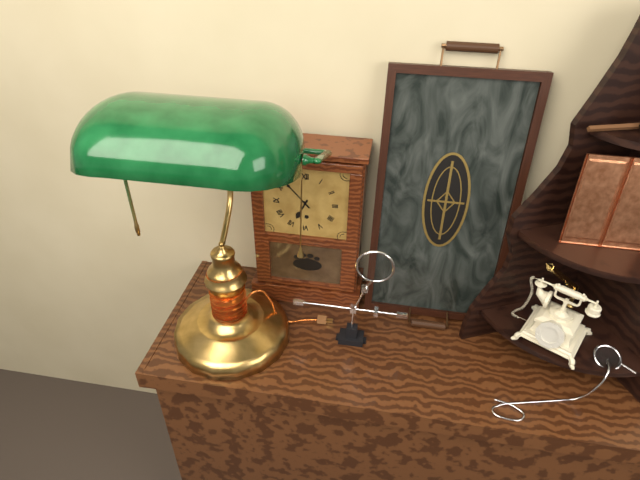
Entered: 6.53
